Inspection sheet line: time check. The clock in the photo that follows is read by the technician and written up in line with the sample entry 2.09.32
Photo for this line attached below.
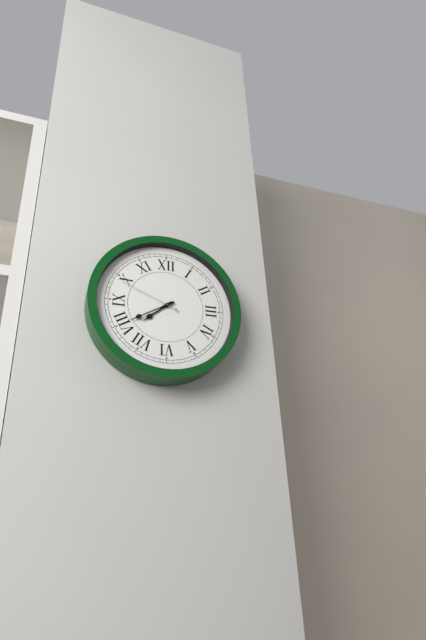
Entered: 7.40.49
